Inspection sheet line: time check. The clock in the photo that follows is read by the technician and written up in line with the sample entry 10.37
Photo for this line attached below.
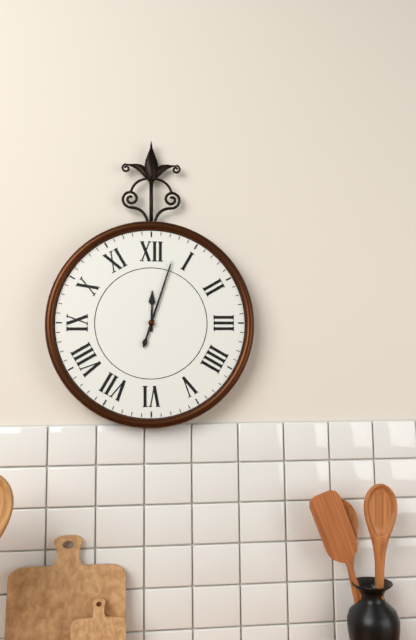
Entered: 12.03
